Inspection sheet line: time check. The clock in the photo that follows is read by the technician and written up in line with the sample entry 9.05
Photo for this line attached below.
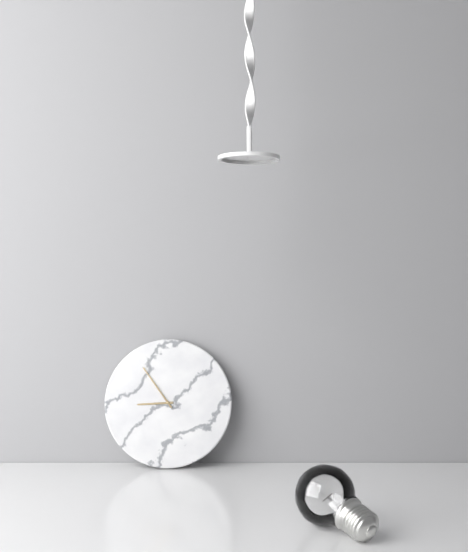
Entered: 8.54
